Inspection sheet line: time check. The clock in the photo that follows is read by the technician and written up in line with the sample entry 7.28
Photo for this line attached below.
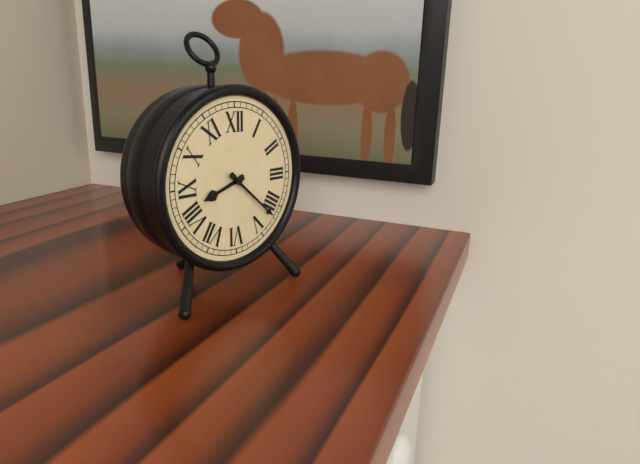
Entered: 8.22
